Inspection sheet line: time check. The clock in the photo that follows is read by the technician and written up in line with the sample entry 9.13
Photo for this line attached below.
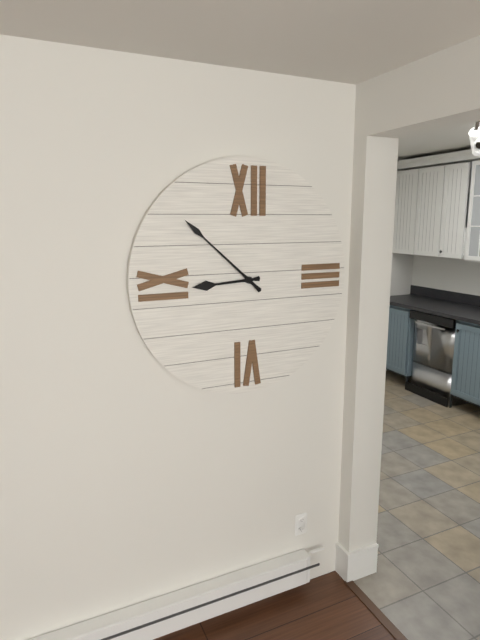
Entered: 8.52
